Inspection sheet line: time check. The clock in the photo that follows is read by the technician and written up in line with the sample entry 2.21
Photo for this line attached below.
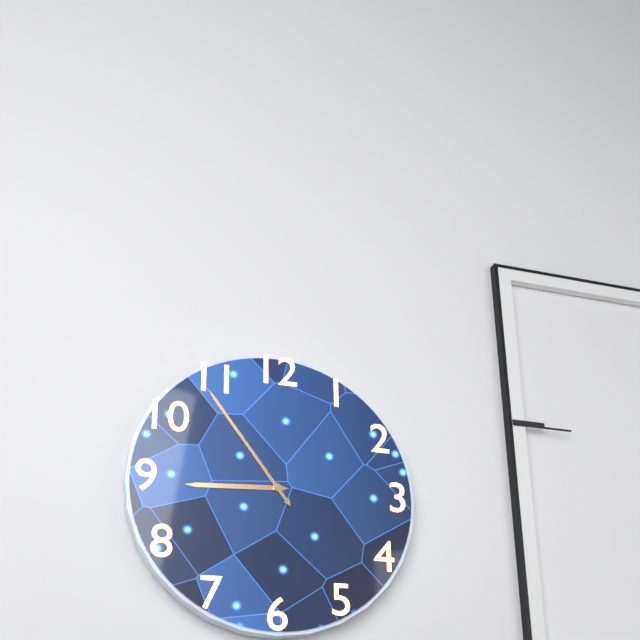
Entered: 8.54
